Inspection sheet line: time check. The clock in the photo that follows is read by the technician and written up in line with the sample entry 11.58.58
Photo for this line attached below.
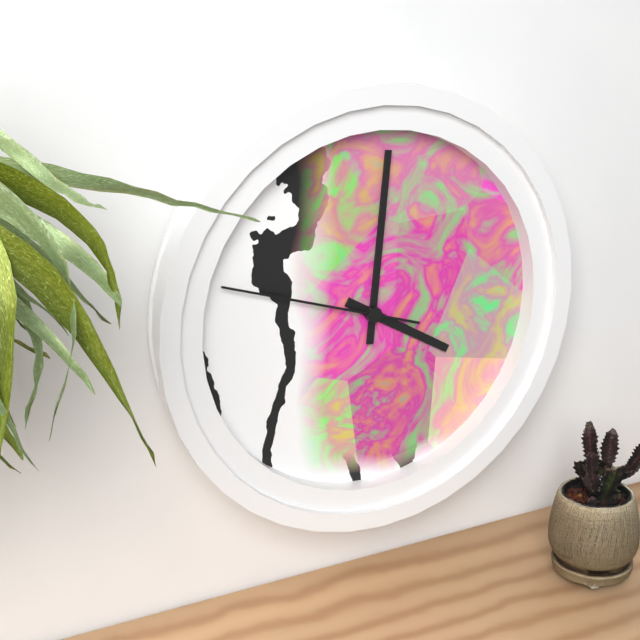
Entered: 4.01.48
